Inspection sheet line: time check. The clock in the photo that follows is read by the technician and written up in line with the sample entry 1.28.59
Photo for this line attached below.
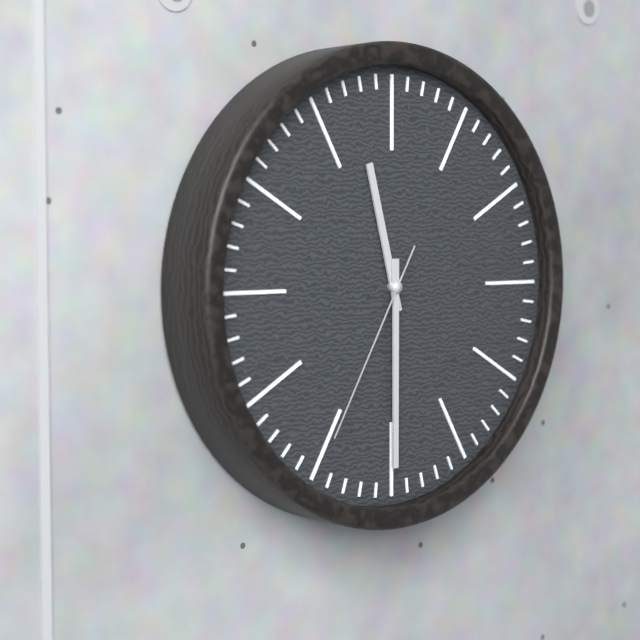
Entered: 11.30.35
